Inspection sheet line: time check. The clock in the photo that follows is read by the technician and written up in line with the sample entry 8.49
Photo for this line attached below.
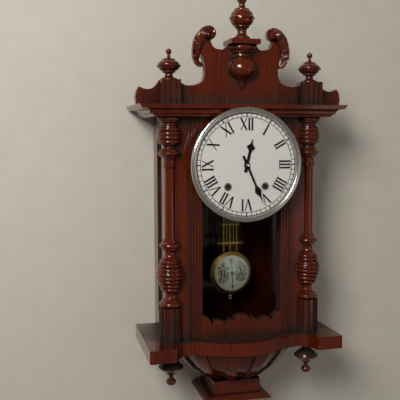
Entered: 12.26
